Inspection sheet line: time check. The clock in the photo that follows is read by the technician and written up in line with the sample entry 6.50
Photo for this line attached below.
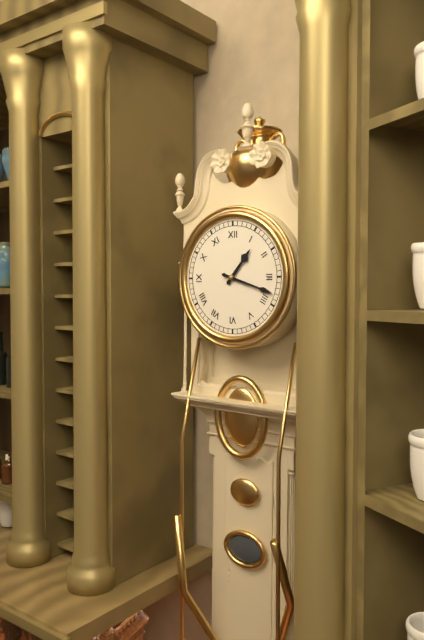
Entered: 1.18
